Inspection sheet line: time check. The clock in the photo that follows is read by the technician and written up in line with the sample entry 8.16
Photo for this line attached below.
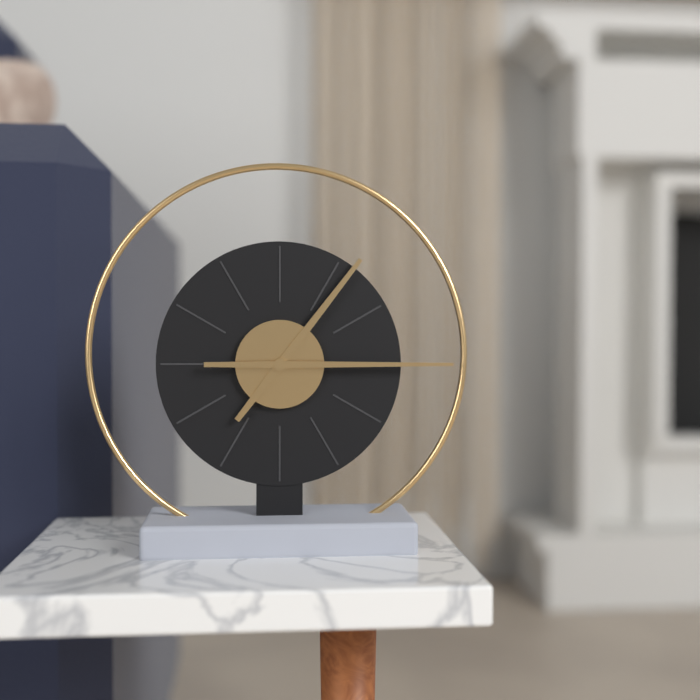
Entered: 1.15
